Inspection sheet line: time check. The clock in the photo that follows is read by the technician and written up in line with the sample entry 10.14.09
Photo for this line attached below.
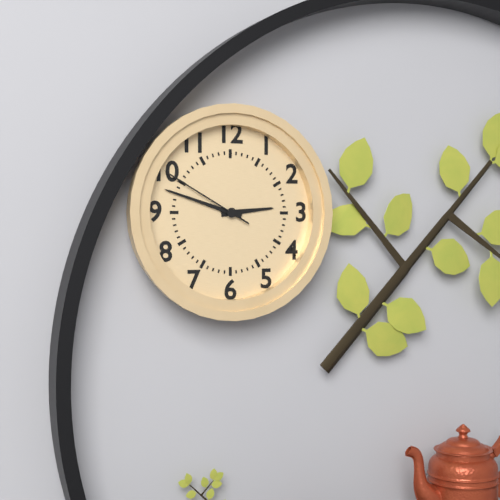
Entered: 2.48.50
